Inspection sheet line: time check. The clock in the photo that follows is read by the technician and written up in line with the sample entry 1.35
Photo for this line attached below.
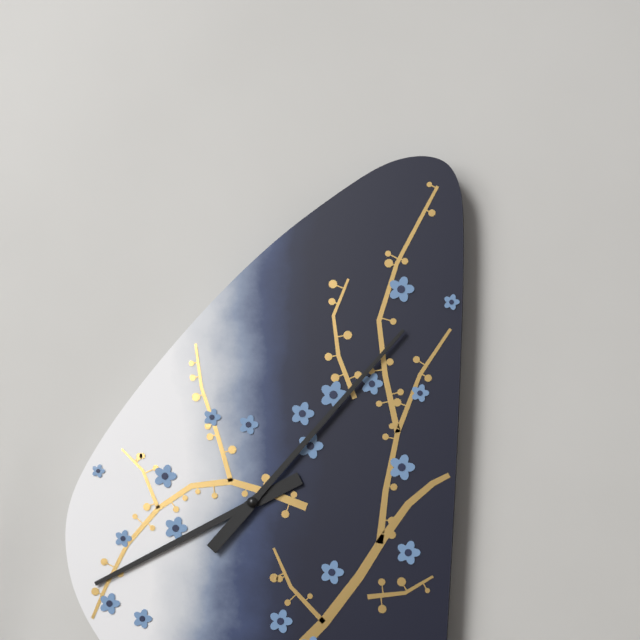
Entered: 8.07
